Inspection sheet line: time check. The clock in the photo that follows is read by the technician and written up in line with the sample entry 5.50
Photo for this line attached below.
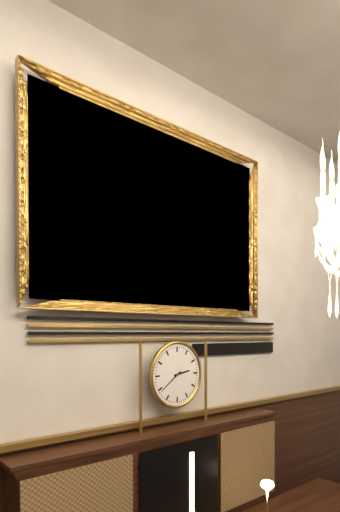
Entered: 2.39
